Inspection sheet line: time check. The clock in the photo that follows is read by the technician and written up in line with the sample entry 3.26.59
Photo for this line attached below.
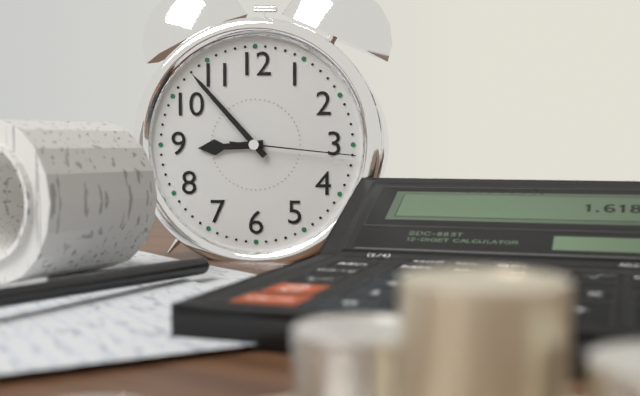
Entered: 8.53.16
